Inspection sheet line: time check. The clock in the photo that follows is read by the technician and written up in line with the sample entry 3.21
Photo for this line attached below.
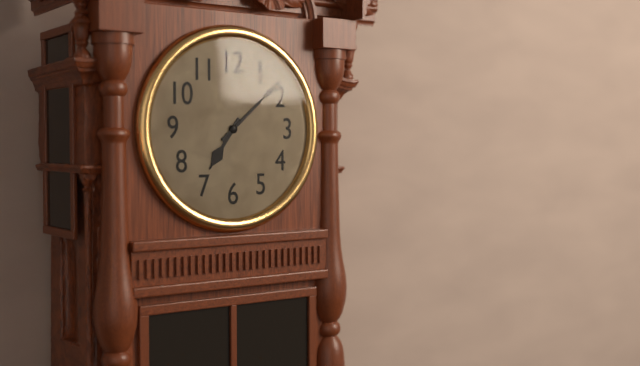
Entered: 7.08
